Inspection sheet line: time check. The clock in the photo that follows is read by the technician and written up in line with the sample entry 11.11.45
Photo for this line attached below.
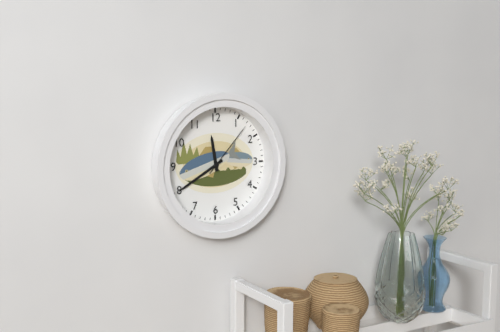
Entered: 11.40.07
